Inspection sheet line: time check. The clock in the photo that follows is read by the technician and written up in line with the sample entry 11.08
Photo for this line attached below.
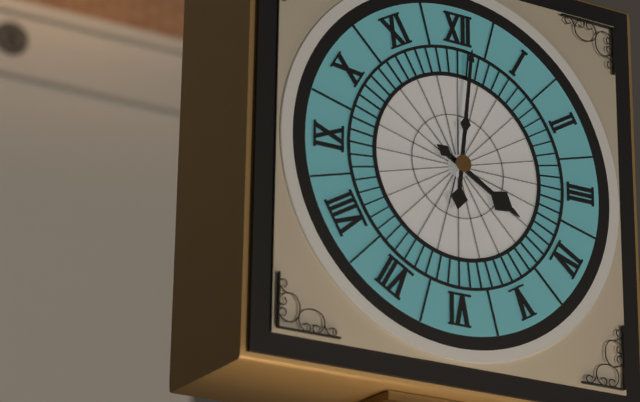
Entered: 4.01
